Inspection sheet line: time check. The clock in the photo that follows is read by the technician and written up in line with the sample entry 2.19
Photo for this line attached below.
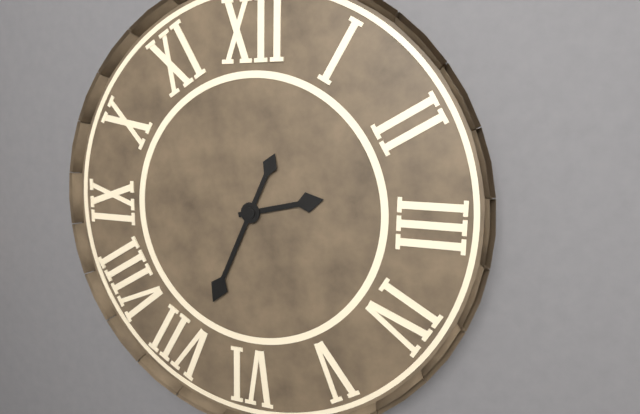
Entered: 2.34
